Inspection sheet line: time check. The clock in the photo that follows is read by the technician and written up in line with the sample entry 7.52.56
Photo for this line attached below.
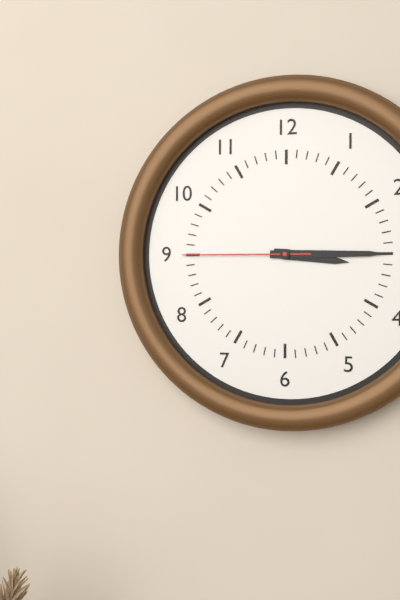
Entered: 3.15.45
